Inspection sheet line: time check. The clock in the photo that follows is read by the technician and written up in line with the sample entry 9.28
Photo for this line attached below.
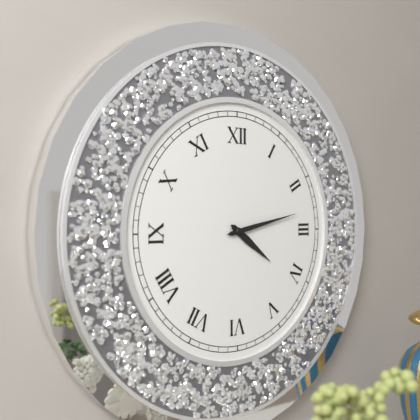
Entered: 4.13
